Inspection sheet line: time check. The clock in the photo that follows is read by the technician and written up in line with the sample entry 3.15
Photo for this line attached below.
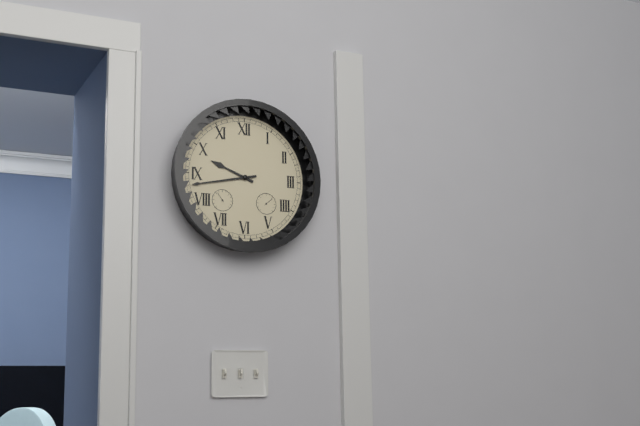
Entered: 9.43
